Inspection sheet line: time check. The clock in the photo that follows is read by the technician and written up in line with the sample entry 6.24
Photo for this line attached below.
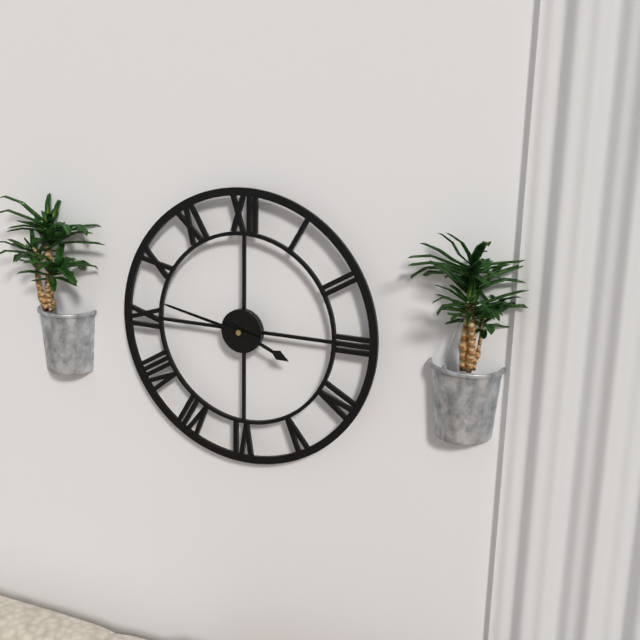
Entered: 3.47
